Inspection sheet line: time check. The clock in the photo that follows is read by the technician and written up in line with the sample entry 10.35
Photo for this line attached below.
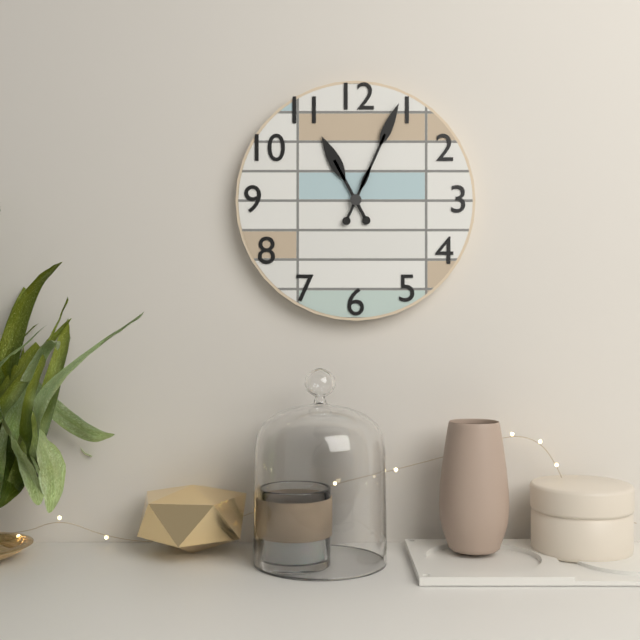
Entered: 11.04
